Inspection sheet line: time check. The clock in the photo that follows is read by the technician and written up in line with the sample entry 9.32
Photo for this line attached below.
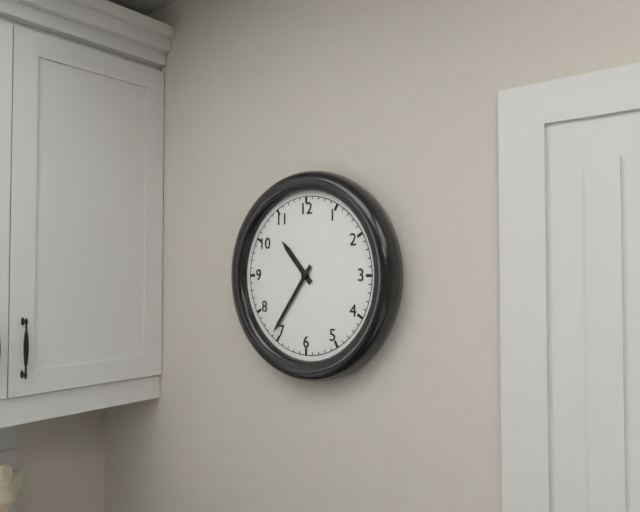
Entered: 10.36
